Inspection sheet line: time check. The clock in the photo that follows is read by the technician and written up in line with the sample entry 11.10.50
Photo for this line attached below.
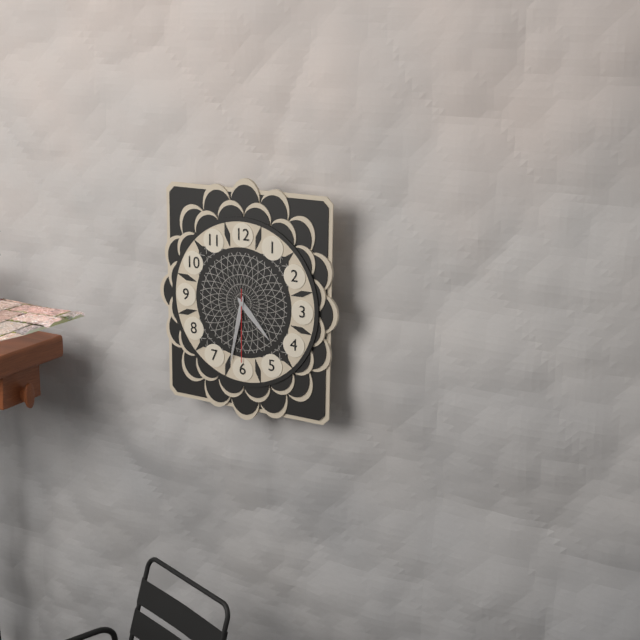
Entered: 4.32.30
